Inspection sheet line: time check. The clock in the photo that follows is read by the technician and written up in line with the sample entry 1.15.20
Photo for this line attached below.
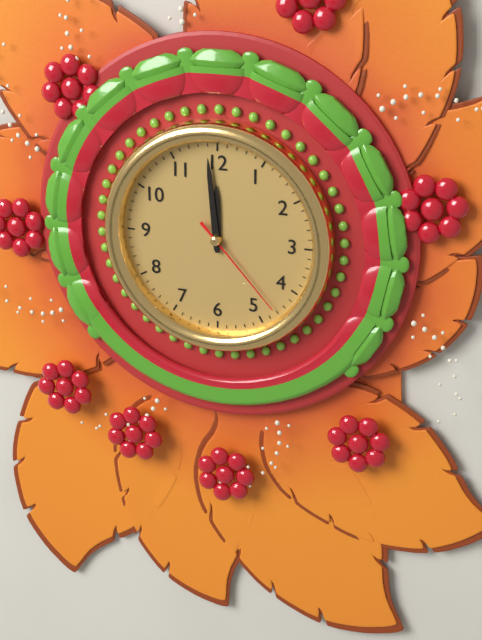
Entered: 11.59.23
